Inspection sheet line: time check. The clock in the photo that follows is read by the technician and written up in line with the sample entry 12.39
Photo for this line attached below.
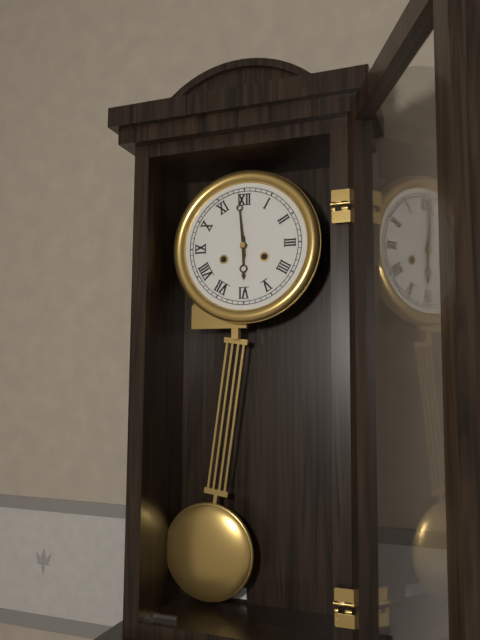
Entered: 5.59
